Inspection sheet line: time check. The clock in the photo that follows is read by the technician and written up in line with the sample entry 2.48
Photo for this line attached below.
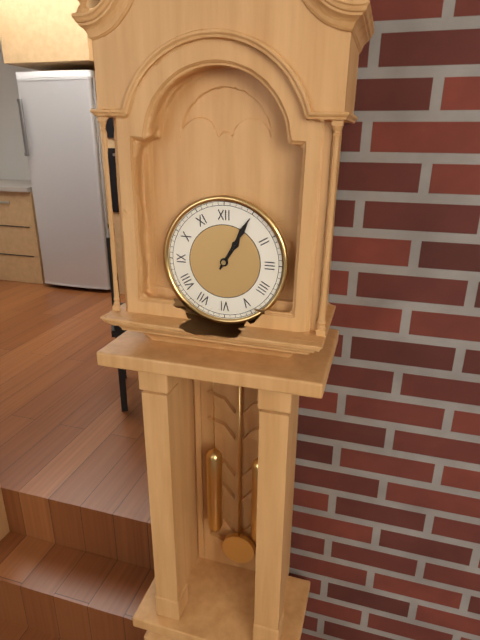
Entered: 1.05
